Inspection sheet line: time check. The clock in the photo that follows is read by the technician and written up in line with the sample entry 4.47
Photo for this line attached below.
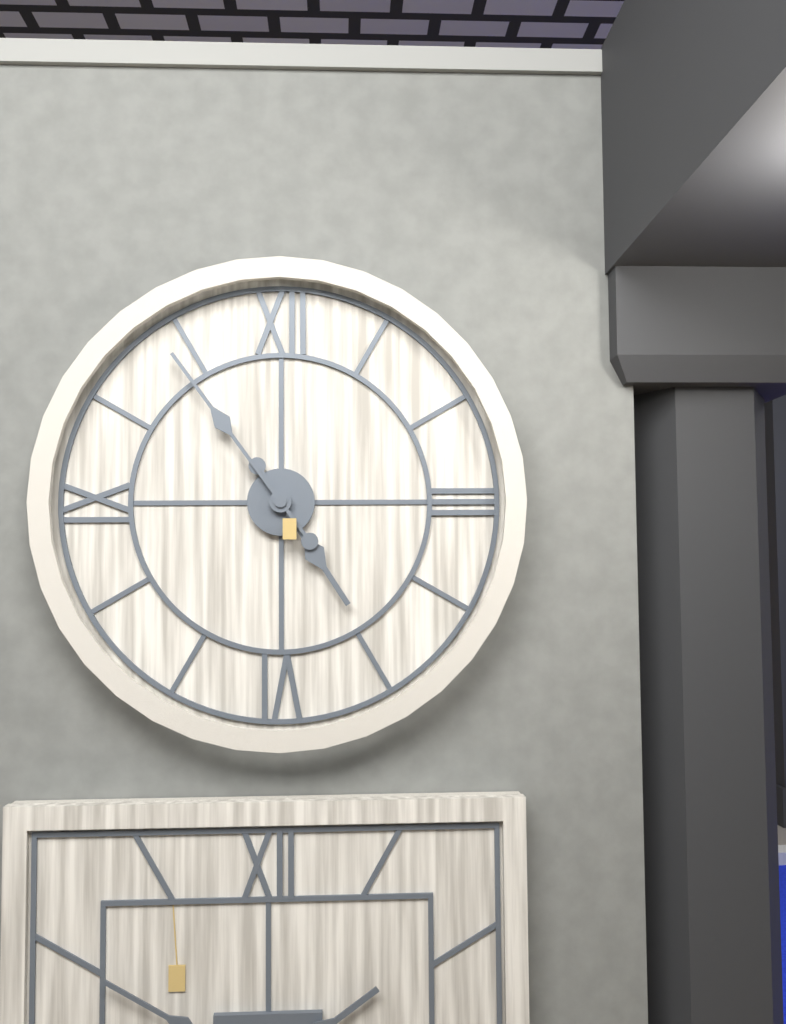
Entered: 4.54
